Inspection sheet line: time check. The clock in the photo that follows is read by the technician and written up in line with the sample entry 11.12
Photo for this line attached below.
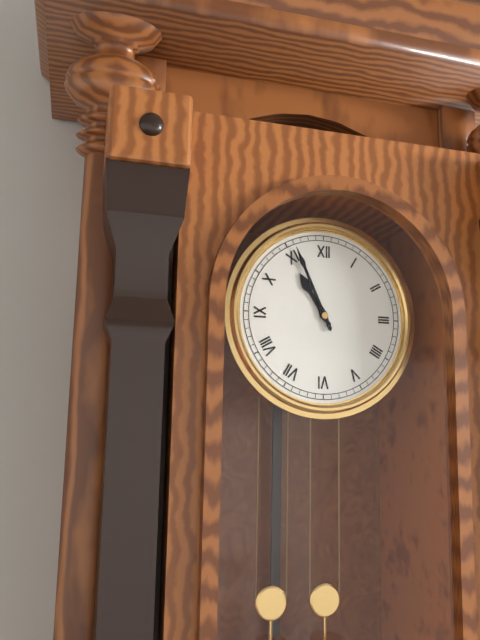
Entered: 10.56
